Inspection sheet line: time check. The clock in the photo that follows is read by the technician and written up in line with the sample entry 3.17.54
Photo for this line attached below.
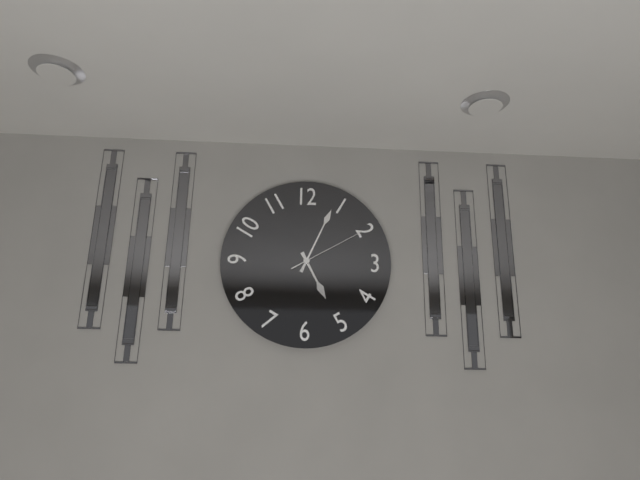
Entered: 5.04.10
